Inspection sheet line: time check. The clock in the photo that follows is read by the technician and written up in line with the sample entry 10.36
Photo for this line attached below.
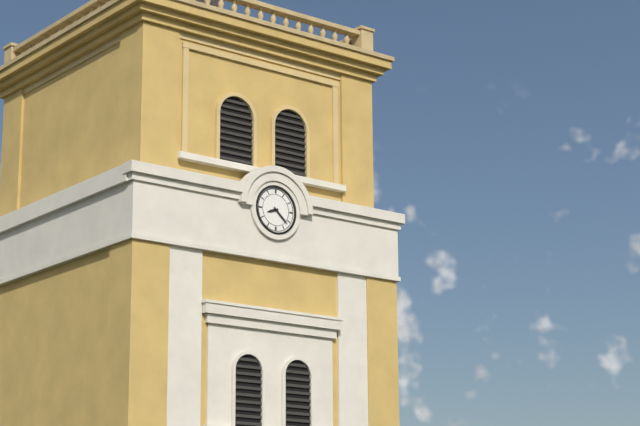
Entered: 8.22
